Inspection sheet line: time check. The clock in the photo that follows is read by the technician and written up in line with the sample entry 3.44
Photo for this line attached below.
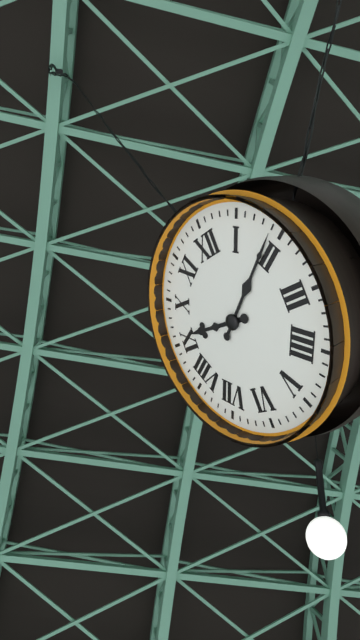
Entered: 9.09
